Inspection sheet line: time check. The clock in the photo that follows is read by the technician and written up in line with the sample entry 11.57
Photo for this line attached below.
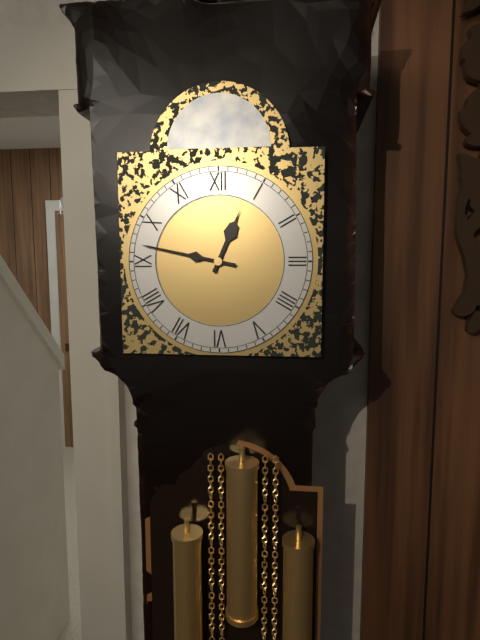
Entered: 12.47
